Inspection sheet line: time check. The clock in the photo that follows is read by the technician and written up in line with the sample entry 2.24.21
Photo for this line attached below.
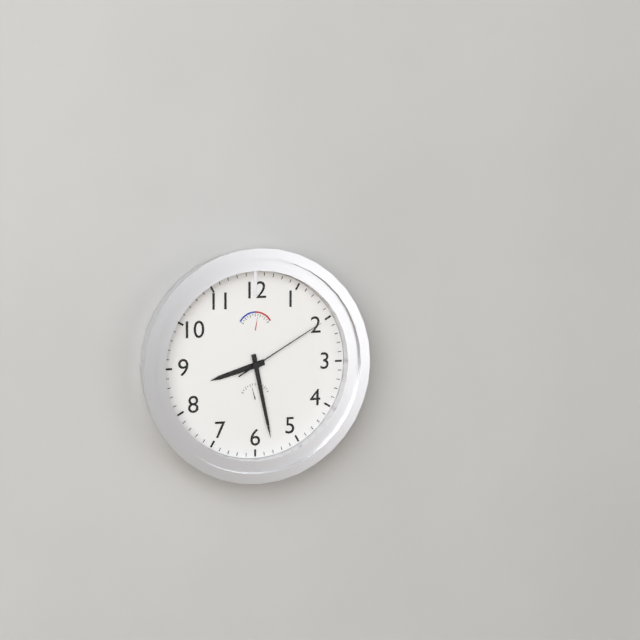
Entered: 8.28.10
